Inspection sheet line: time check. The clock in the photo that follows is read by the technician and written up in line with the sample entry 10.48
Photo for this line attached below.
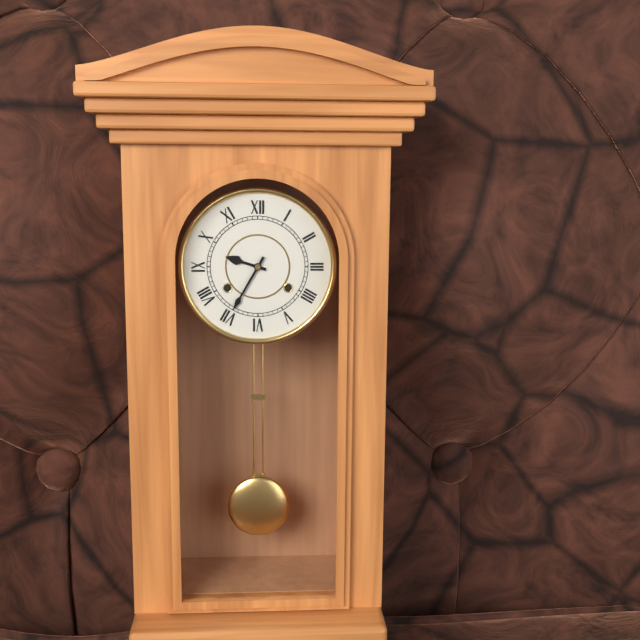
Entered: 9.35
